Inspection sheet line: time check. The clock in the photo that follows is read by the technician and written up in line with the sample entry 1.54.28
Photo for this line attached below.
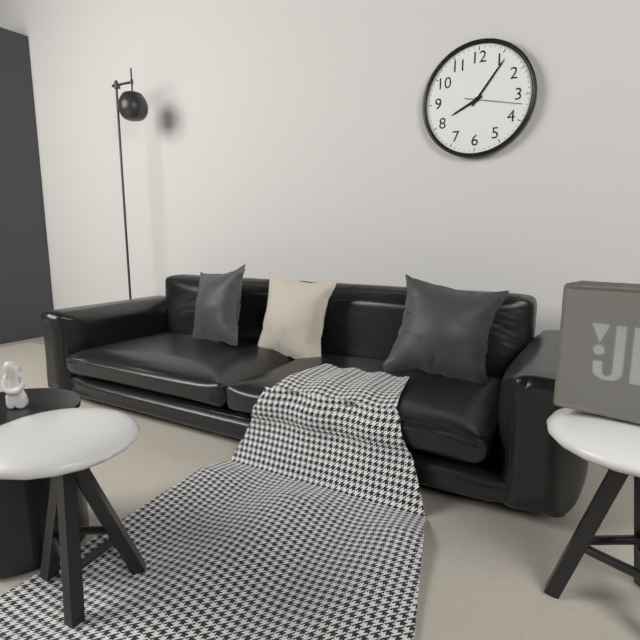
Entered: 8.06.17
